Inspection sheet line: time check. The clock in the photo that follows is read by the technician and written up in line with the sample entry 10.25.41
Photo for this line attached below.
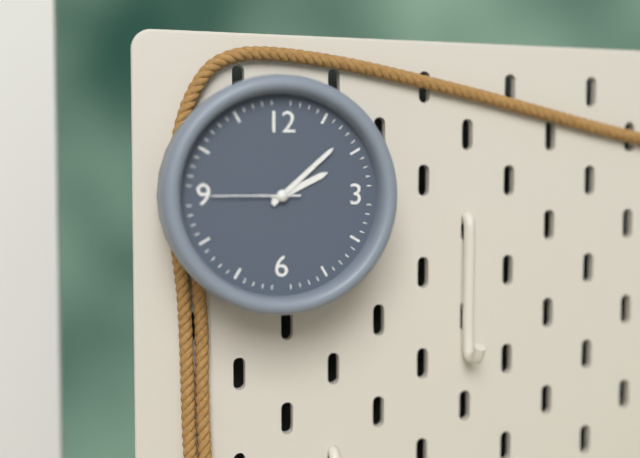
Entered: 2.08.45
